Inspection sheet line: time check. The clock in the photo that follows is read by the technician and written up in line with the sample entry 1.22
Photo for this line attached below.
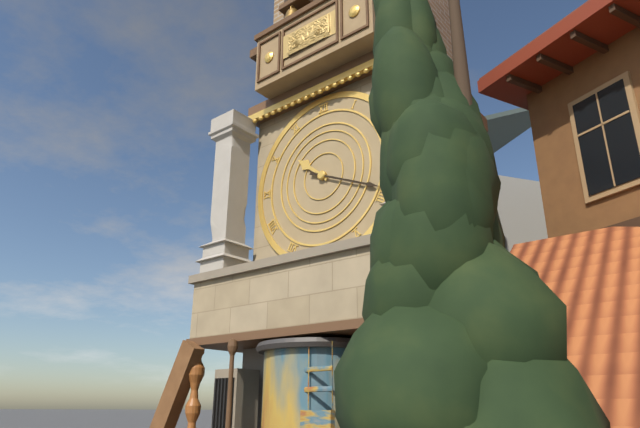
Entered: 10.19
